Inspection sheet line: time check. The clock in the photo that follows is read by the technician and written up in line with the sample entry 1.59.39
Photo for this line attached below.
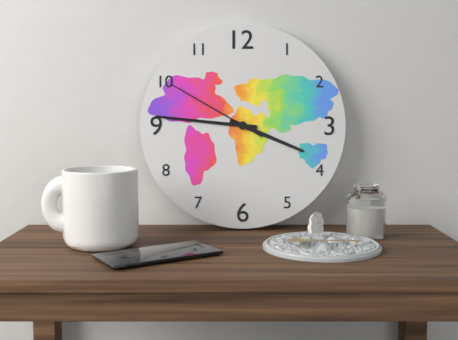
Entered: 3.46.50
